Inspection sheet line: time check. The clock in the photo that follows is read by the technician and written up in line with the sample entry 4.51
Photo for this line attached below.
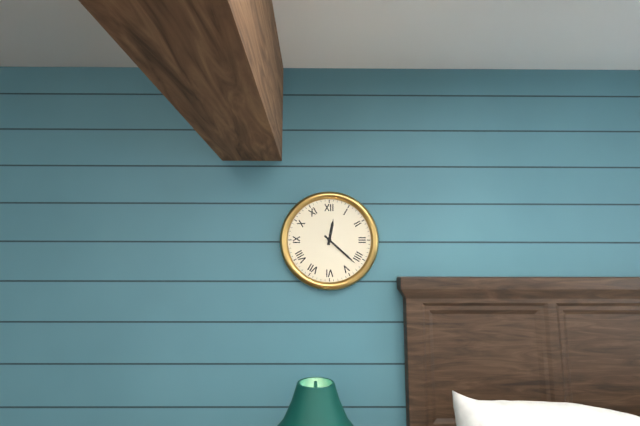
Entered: 12.22
